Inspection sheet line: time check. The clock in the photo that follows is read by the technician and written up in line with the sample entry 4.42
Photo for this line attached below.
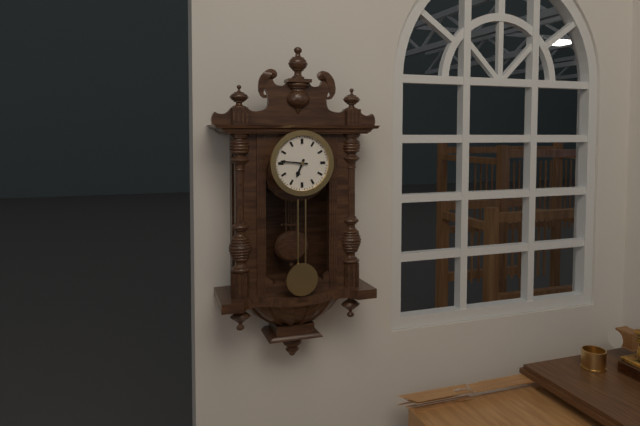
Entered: 6.46
